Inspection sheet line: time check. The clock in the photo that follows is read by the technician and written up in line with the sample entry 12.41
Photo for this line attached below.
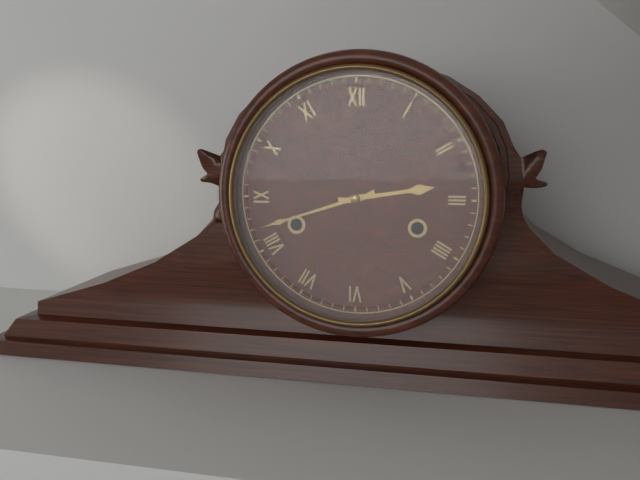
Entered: 2.42
